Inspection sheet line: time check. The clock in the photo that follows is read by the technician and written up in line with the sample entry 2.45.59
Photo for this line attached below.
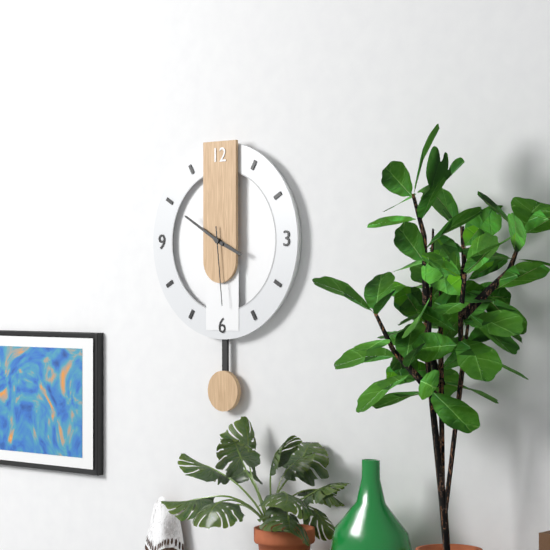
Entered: 3.50.29
